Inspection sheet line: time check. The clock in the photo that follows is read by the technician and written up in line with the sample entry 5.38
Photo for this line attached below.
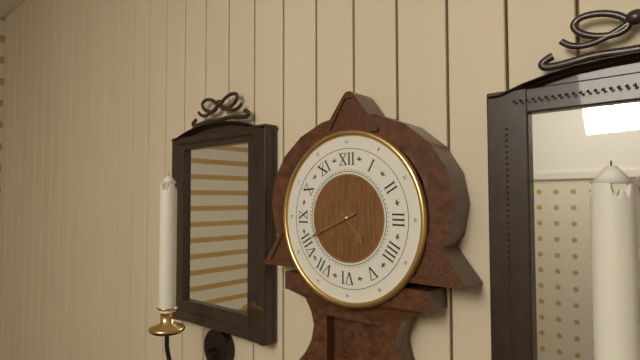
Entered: 4.41
